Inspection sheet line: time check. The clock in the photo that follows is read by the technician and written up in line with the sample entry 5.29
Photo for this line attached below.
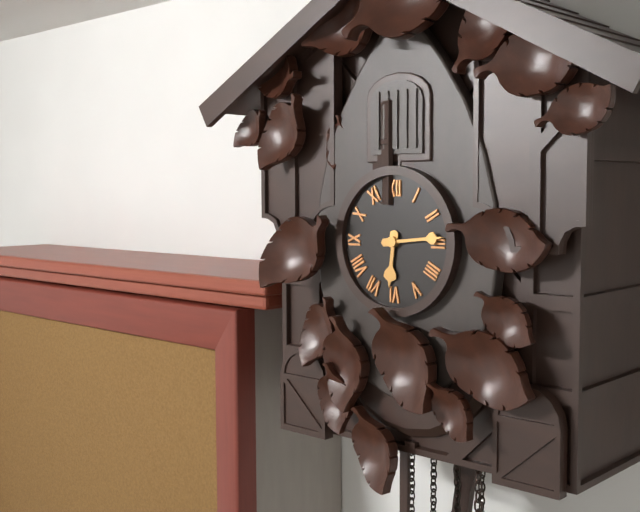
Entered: 6.14
